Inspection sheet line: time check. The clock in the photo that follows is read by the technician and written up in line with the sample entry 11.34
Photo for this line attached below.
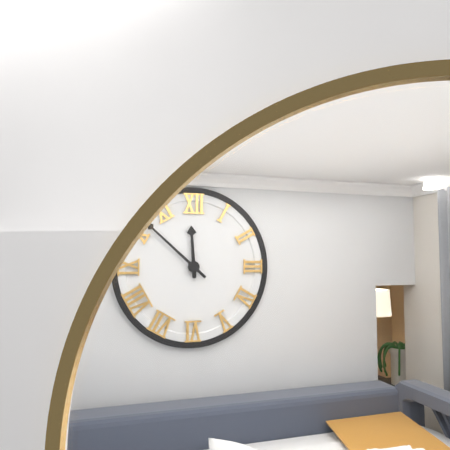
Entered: 11.52
